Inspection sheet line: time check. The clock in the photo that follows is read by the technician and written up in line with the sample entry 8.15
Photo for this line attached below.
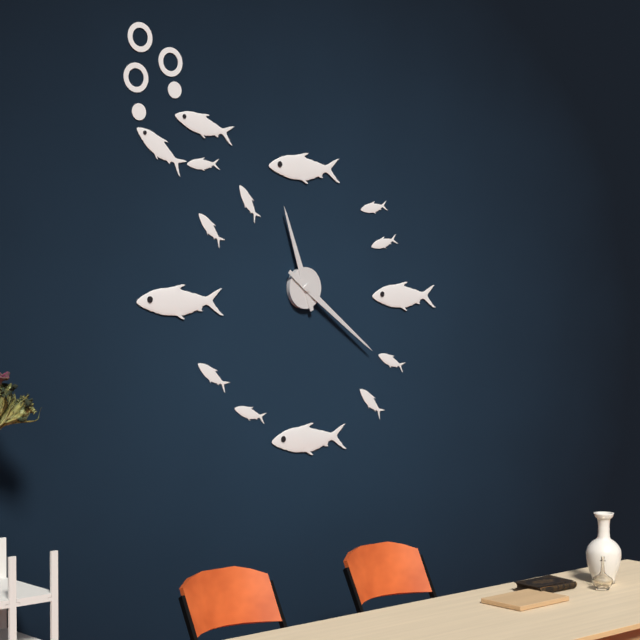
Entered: 11.21
